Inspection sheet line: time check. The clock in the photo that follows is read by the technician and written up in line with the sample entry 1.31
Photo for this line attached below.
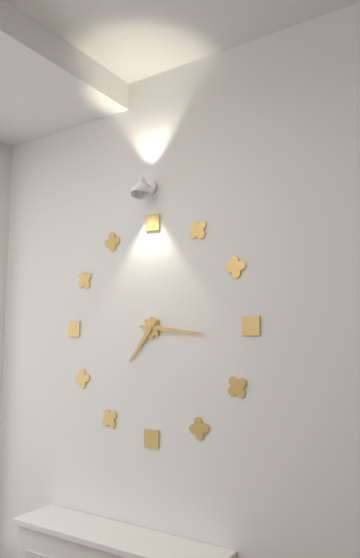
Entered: 7.16
